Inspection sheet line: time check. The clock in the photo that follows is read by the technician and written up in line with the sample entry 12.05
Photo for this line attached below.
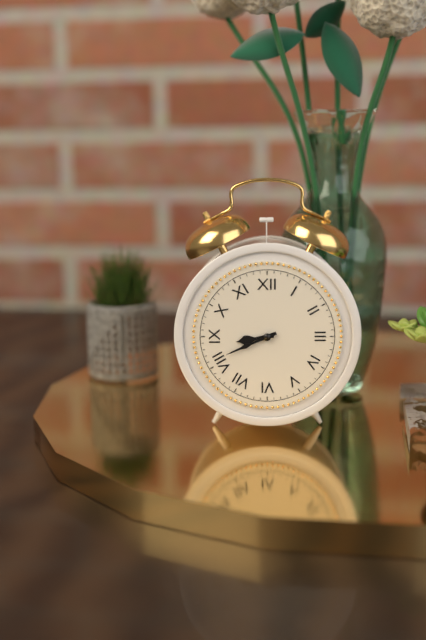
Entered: 8.41
